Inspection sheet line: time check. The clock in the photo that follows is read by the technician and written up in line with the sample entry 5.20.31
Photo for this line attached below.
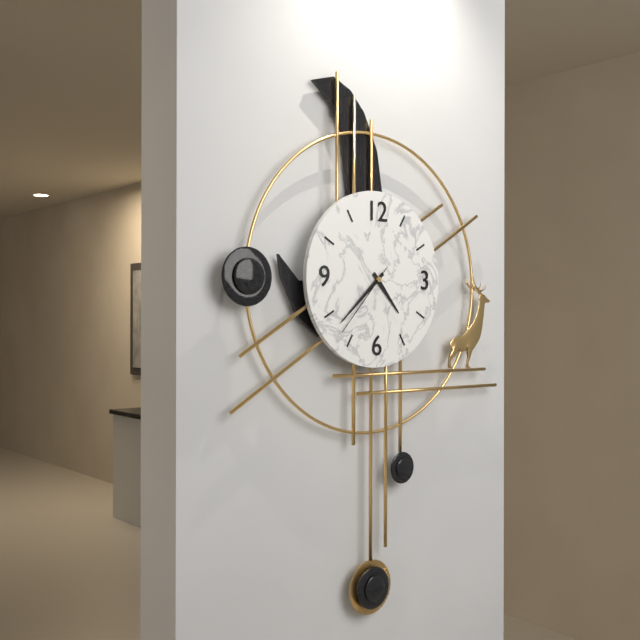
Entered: 4.38.37
